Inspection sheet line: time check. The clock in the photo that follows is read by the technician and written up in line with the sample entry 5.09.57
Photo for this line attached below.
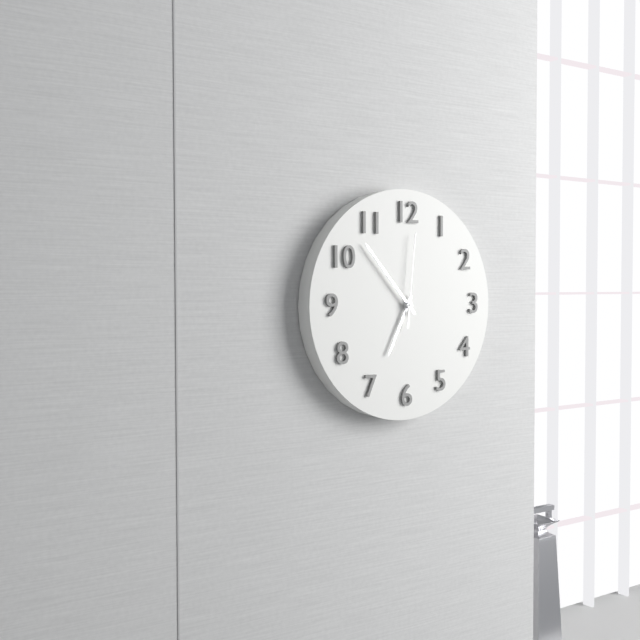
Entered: 6.53.01
